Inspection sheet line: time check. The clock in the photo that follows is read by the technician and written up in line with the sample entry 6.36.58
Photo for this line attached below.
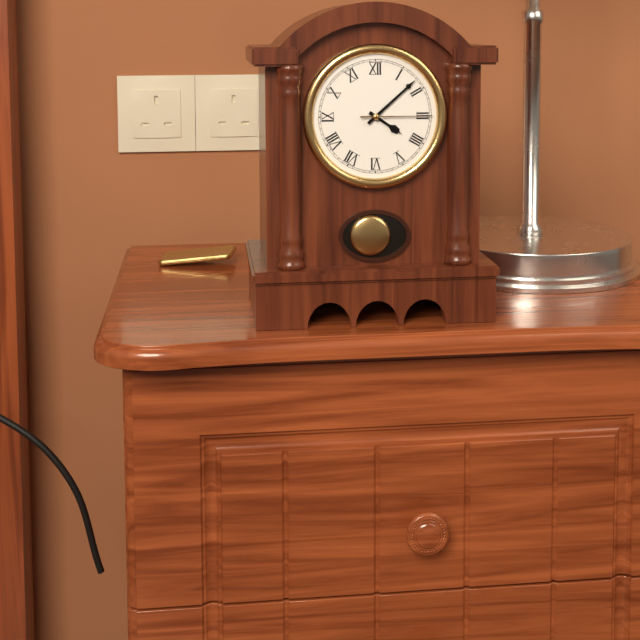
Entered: 4.08.15
